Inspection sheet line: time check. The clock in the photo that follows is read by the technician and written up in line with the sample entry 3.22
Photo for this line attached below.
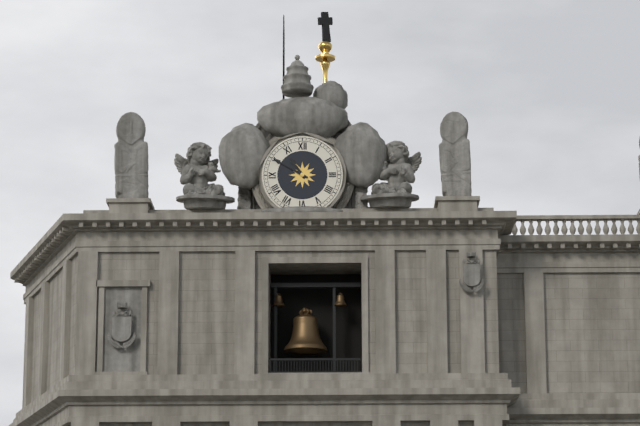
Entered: 10.50
